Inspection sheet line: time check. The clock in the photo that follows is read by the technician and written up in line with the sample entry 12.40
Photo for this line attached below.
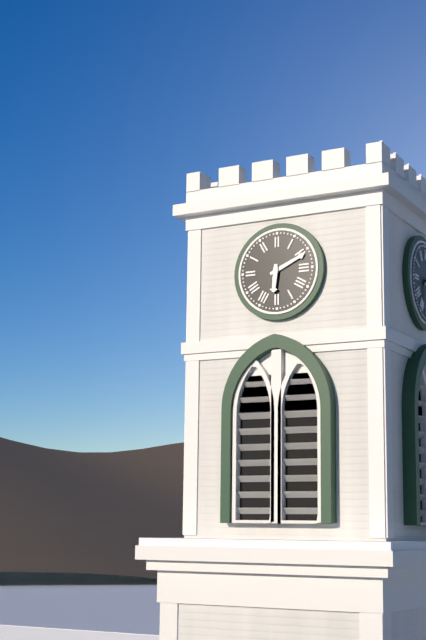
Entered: 6.11
